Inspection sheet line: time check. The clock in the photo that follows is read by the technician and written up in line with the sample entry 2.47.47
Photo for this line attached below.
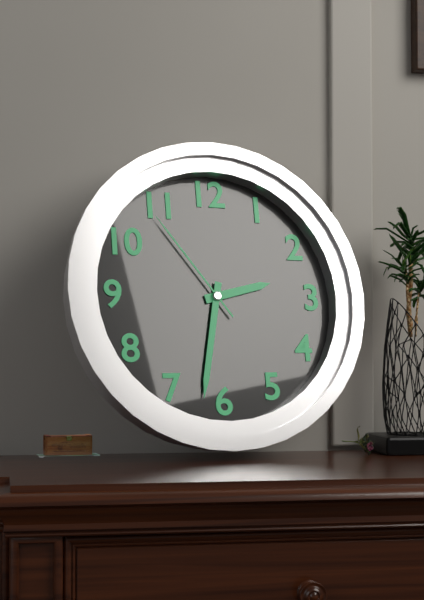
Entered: 2.32.54
